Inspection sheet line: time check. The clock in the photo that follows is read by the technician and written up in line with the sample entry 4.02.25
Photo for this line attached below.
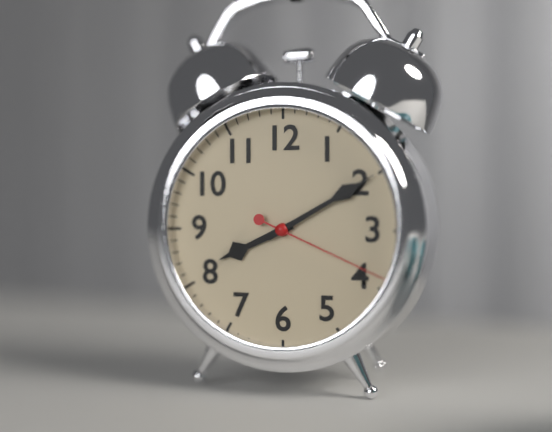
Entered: 8.10.19
